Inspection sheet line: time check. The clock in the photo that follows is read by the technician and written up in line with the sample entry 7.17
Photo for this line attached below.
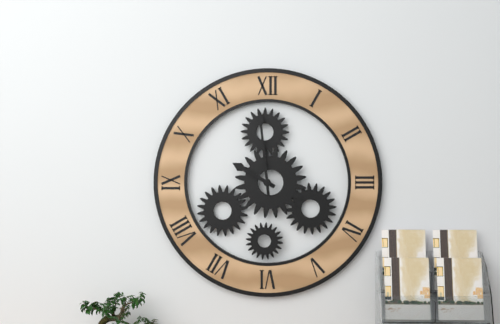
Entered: 9.59
